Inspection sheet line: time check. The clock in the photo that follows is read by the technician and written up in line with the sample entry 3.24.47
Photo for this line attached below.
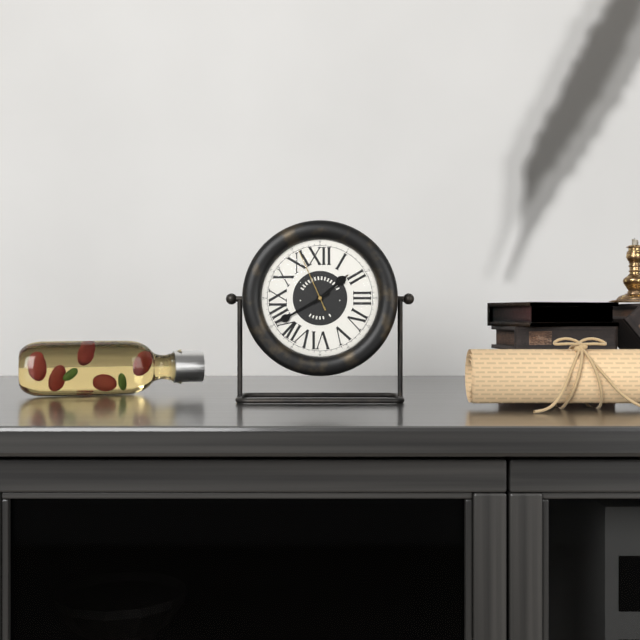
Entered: 1.40.56
